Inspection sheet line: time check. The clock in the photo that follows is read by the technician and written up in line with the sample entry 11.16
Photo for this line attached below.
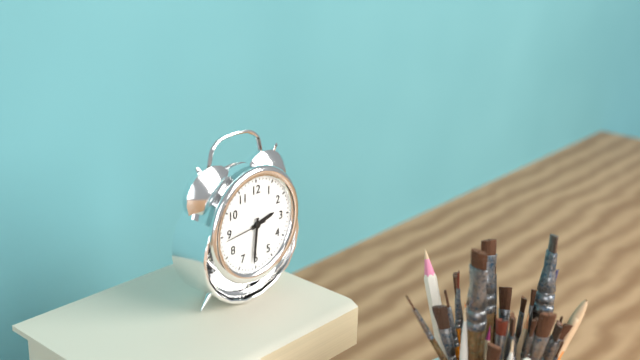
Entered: 2.31
